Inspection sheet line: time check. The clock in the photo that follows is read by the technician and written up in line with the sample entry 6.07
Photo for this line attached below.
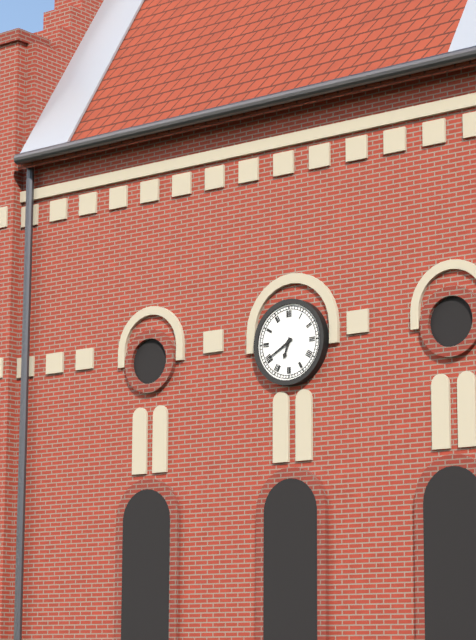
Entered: 6.40
